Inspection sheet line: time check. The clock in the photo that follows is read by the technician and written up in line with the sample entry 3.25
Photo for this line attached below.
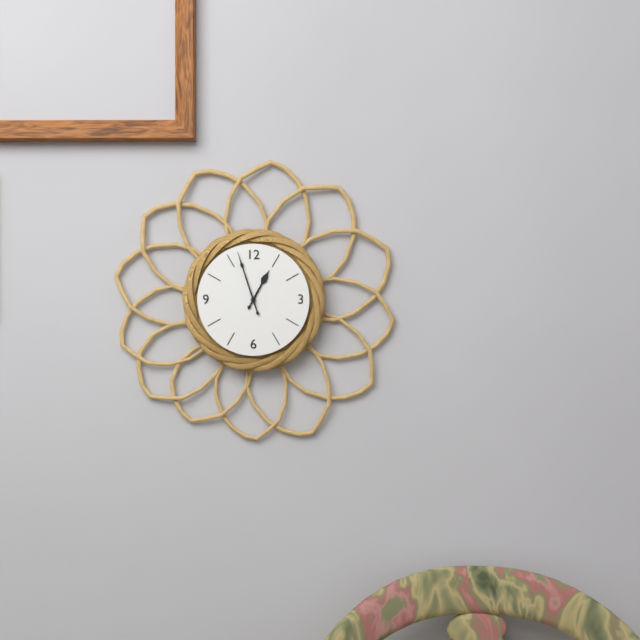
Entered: 12.57
